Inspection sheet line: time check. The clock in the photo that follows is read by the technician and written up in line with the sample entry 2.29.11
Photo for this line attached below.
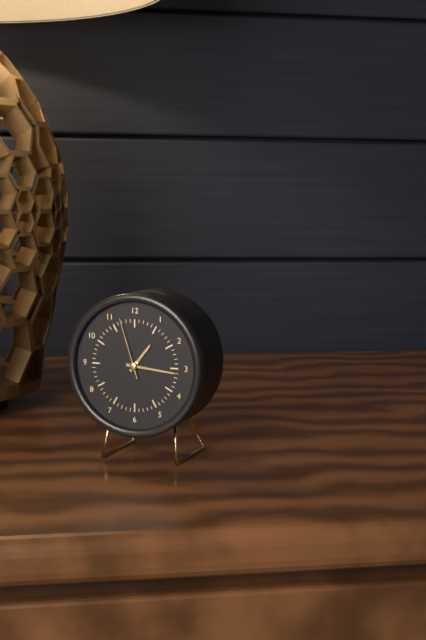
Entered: 1.16.57
